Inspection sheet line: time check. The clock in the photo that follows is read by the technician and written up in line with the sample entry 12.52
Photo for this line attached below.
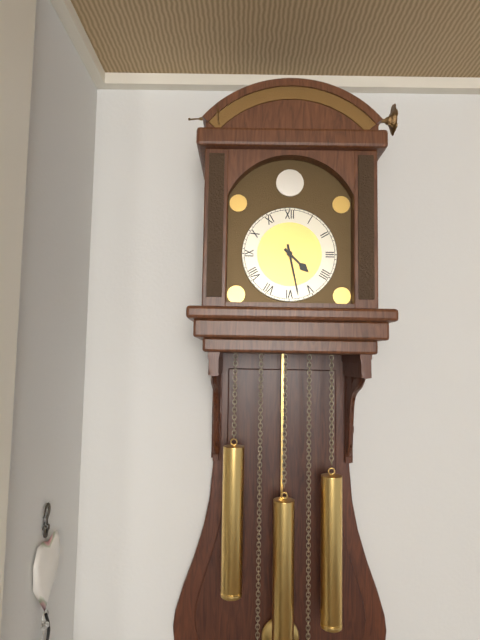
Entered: 4.28
